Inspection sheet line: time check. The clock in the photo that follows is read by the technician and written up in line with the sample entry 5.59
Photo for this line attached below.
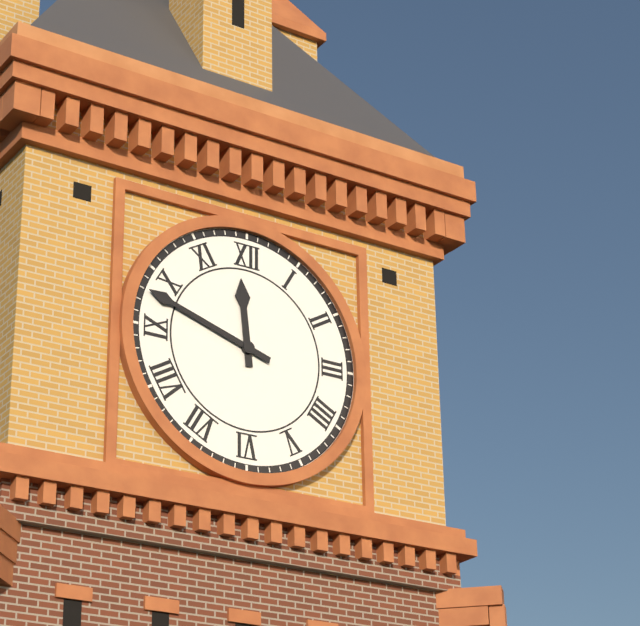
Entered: 11.48
